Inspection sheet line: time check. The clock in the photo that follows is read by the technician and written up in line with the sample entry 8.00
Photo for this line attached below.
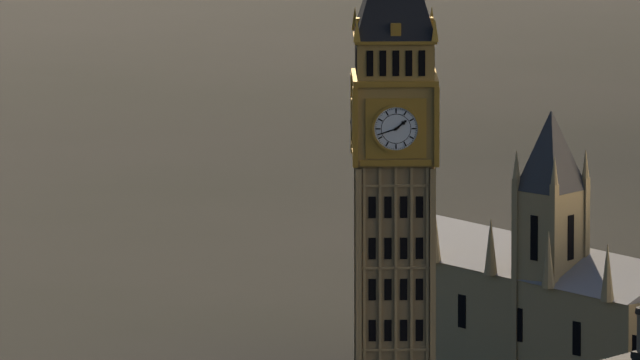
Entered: 1.42
